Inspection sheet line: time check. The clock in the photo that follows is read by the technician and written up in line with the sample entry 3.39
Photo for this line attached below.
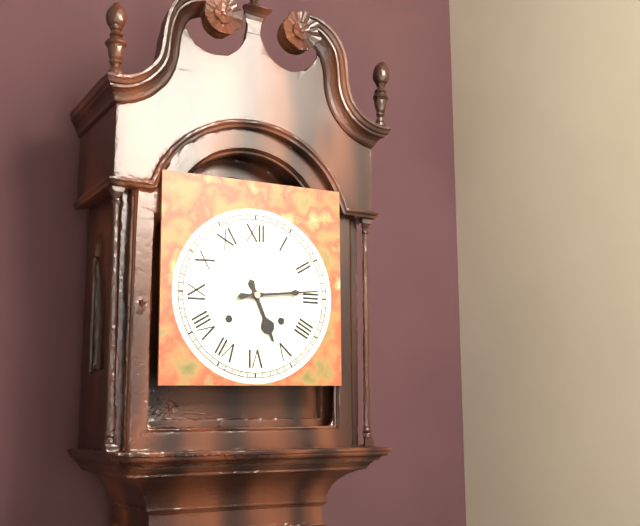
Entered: 5.14
